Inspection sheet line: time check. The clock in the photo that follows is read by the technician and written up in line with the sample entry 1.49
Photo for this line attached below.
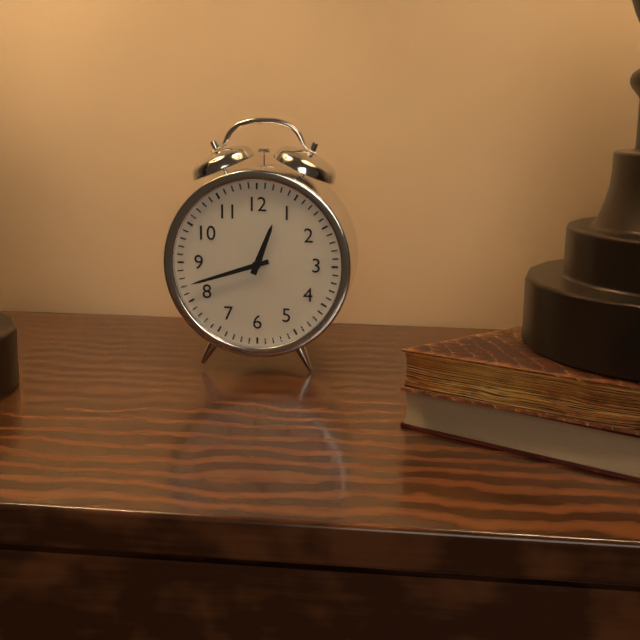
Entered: 12.42
